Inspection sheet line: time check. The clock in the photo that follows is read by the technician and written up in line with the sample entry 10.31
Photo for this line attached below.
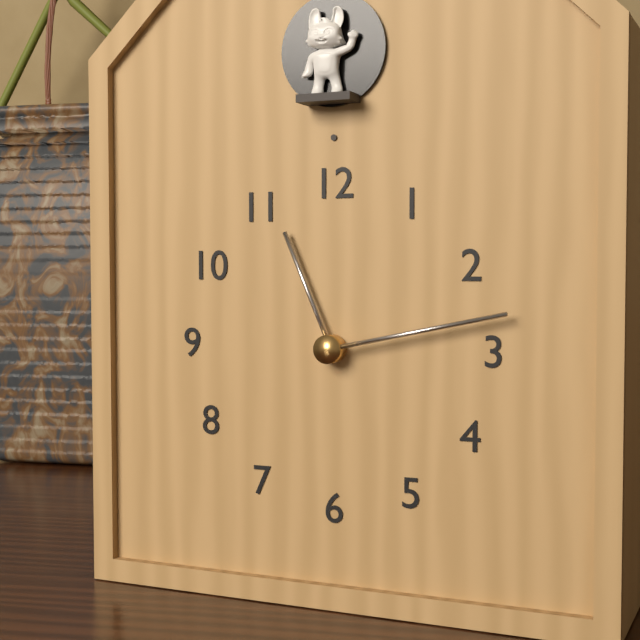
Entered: 11.13
